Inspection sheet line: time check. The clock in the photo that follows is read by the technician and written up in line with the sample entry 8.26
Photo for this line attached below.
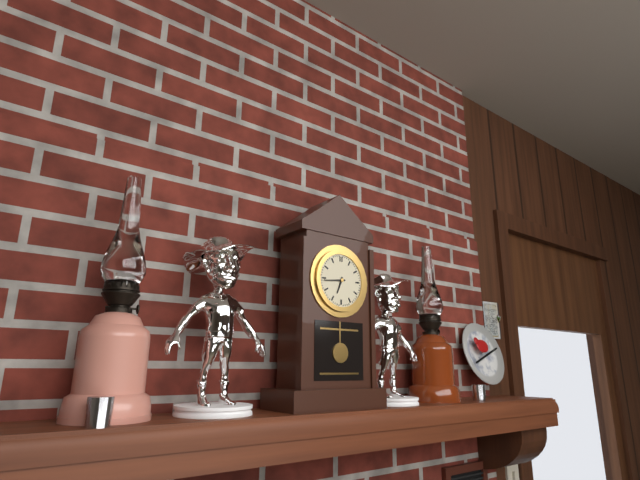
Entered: 6.44
